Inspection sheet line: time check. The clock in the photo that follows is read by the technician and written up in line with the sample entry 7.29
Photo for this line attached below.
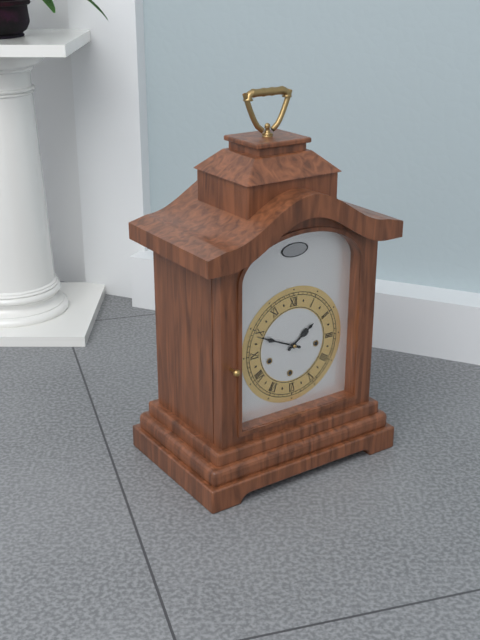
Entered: 1.49
